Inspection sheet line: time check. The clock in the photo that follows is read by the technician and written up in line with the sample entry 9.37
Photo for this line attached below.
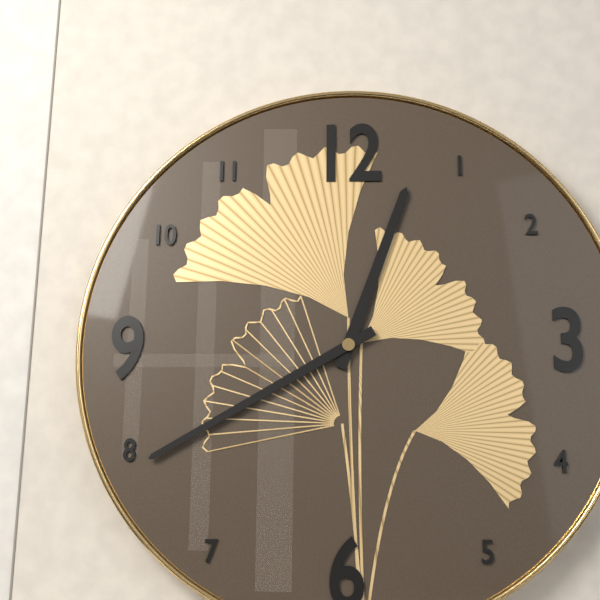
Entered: 12.40
